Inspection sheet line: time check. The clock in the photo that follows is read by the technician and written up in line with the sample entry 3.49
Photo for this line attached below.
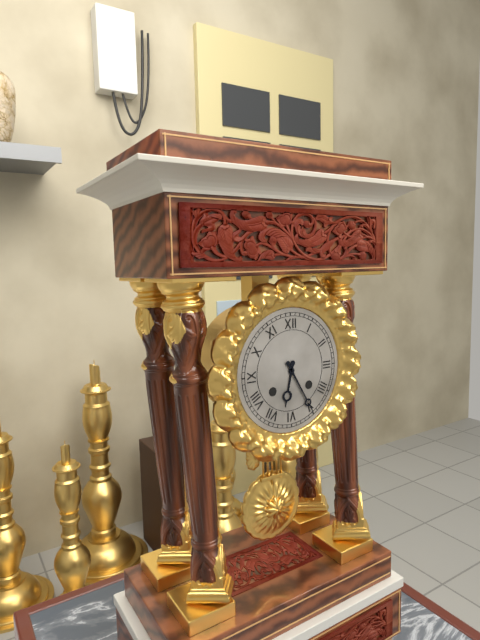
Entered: 6.25
